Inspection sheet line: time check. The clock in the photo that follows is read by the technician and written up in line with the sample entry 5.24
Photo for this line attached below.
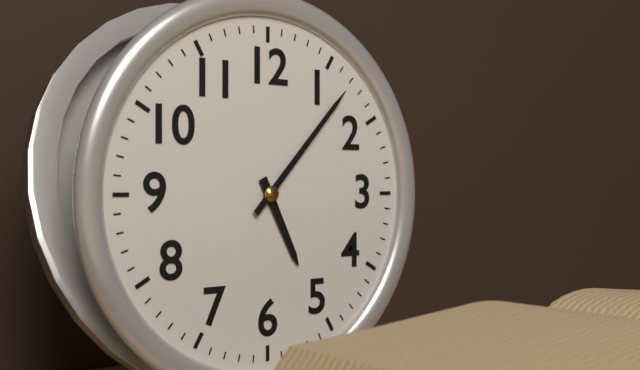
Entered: 5.07
